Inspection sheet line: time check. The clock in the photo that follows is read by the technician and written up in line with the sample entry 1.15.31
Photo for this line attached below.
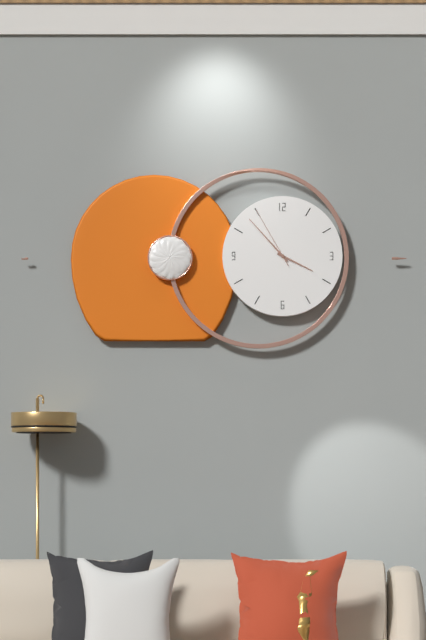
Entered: 3.53.55
